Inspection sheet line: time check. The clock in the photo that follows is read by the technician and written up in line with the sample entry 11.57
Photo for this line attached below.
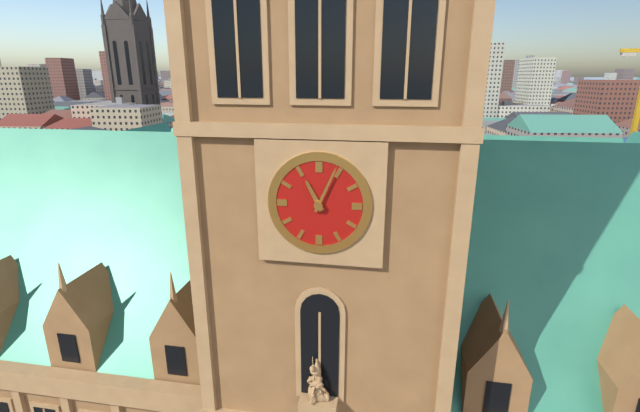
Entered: 11.04
